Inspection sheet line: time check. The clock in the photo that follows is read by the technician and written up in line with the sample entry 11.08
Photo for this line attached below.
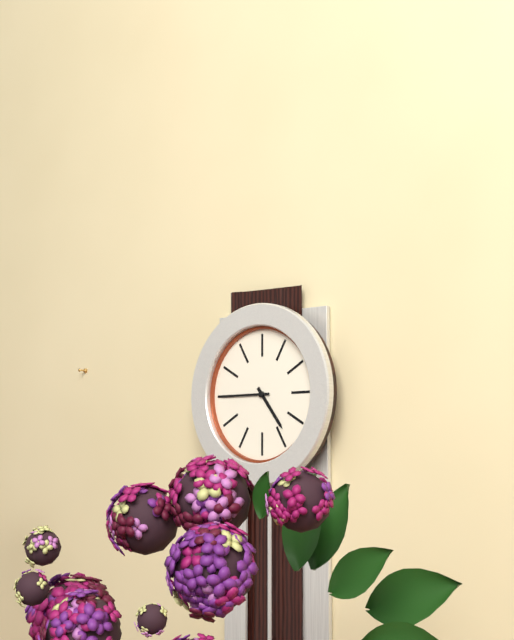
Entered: 4.45
